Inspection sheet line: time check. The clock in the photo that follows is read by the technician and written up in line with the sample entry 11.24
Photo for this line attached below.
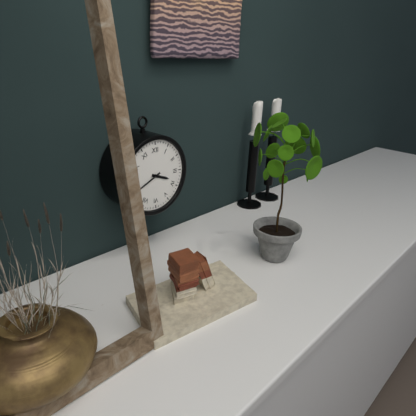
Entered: 3.41
